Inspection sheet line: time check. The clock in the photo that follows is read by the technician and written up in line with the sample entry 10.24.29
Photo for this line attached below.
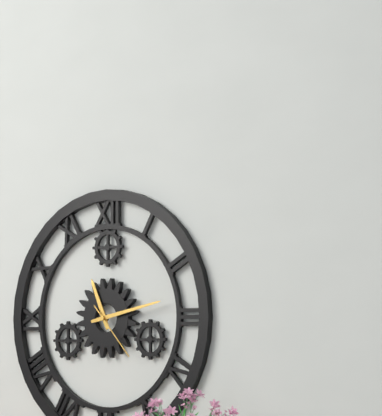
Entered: 11.13.23
